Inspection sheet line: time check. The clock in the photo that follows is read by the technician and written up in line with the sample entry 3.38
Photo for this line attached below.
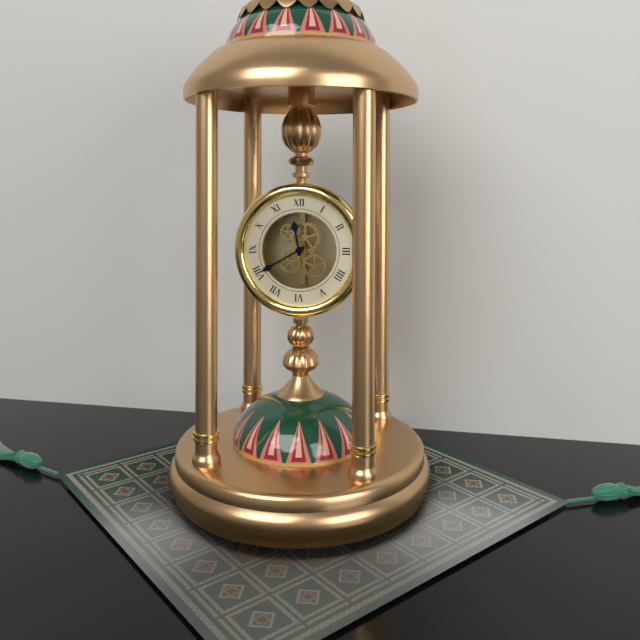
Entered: 11.40
